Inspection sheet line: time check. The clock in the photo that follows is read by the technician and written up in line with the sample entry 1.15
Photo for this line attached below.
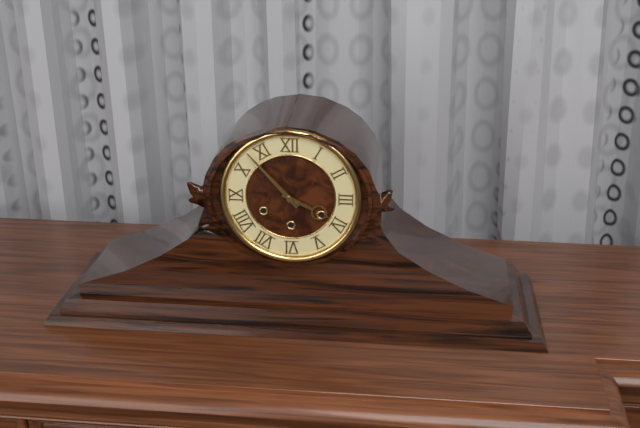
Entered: 3.53
